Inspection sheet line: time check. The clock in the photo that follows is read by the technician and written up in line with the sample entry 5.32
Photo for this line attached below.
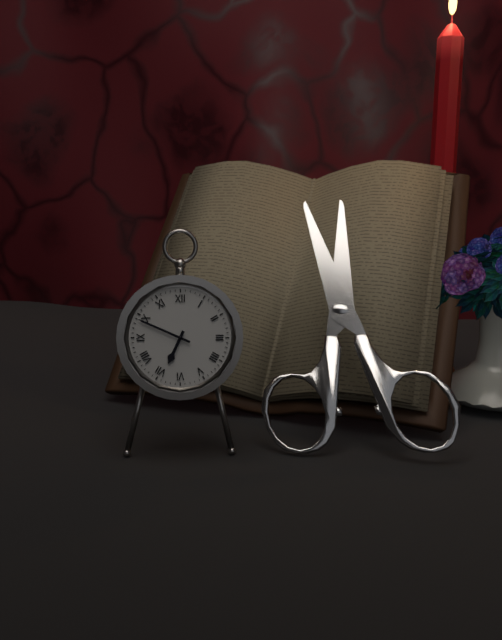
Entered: 6.49
